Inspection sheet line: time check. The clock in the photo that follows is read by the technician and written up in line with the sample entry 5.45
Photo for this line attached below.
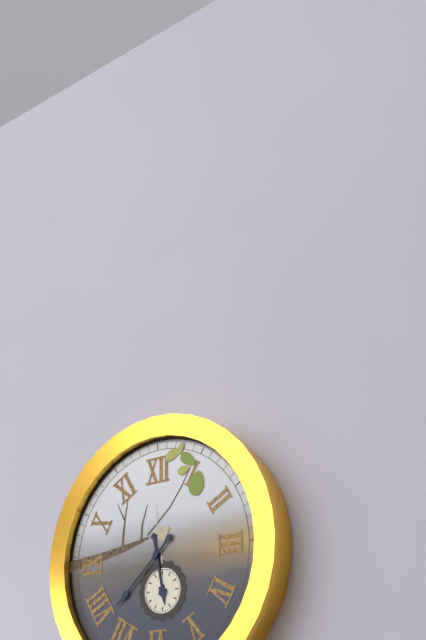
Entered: 5.38
